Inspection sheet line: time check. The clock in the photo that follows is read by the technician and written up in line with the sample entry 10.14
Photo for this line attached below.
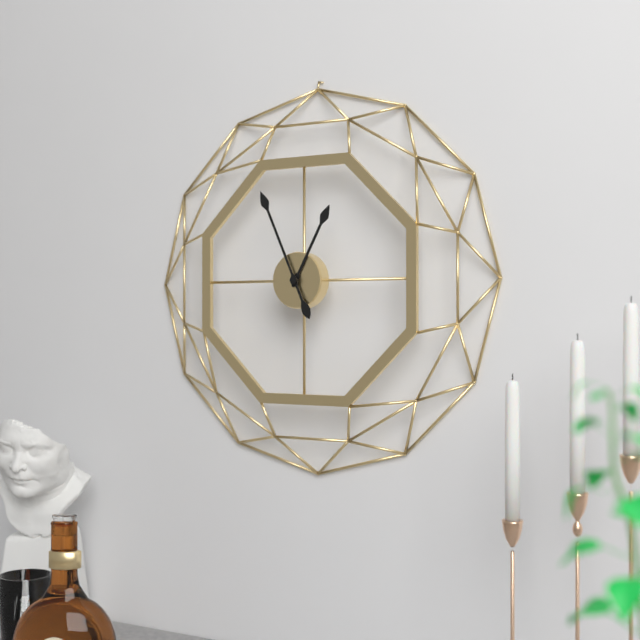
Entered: 12.56
